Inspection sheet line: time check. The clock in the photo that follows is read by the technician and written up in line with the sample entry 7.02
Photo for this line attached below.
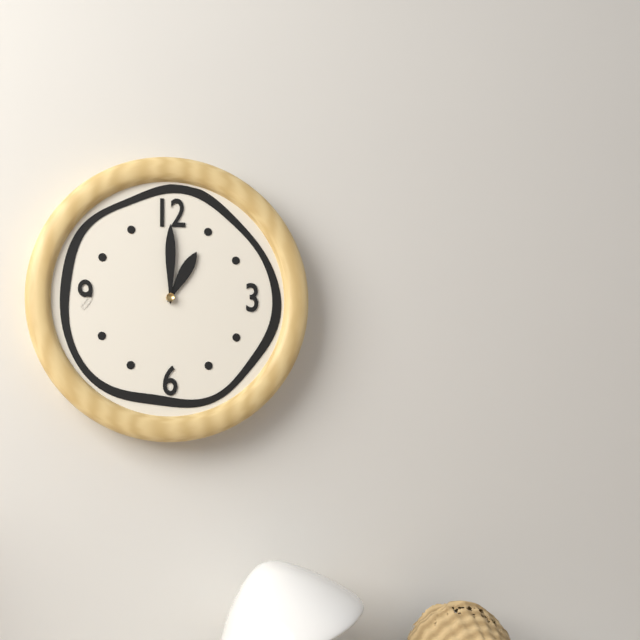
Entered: 1.00
